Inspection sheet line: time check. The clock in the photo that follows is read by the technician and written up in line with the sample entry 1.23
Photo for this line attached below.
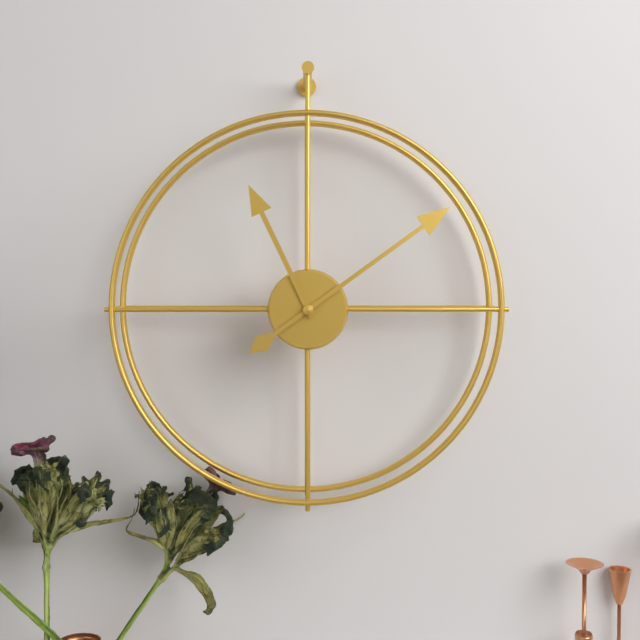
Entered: 11.09
